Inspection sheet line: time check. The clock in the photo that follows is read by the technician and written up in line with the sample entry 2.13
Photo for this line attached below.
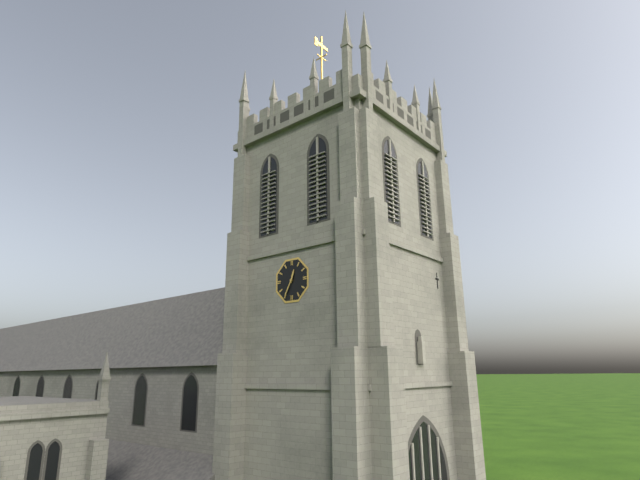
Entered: 12.35
